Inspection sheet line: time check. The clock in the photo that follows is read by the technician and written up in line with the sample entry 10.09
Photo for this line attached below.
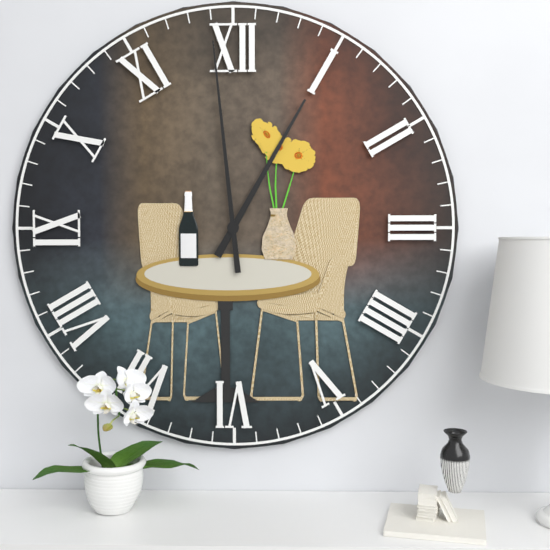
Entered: 12.59
